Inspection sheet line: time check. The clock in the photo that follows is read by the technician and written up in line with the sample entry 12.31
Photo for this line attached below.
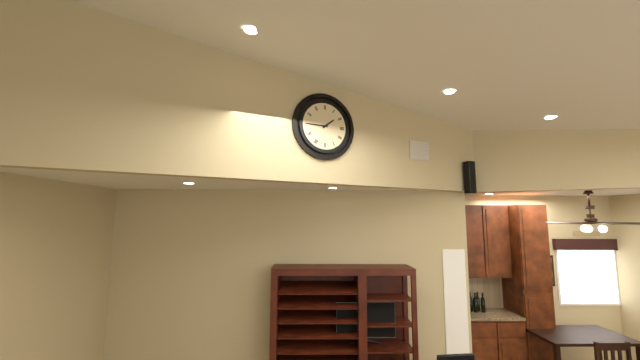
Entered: 1.45
